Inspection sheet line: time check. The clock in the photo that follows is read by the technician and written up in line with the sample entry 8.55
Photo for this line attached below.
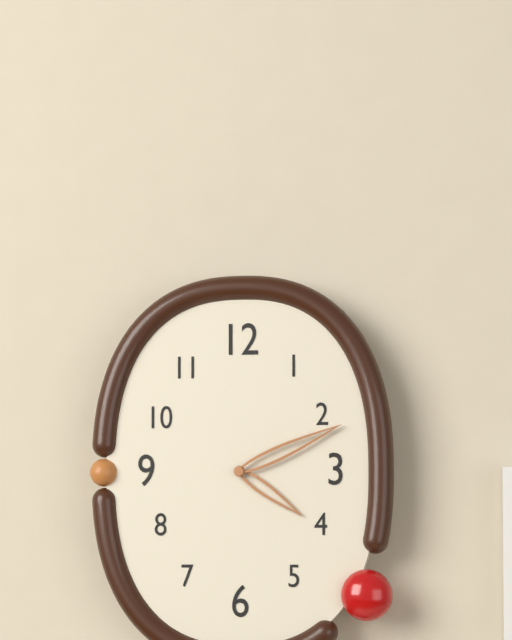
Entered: 4.11
